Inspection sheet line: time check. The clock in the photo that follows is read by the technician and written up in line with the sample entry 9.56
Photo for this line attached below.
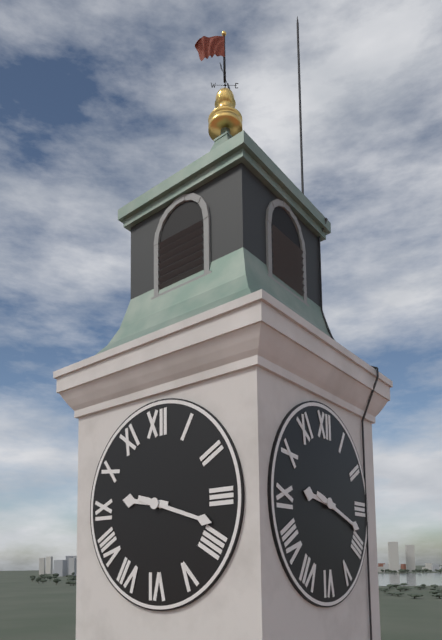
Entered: 9.18
